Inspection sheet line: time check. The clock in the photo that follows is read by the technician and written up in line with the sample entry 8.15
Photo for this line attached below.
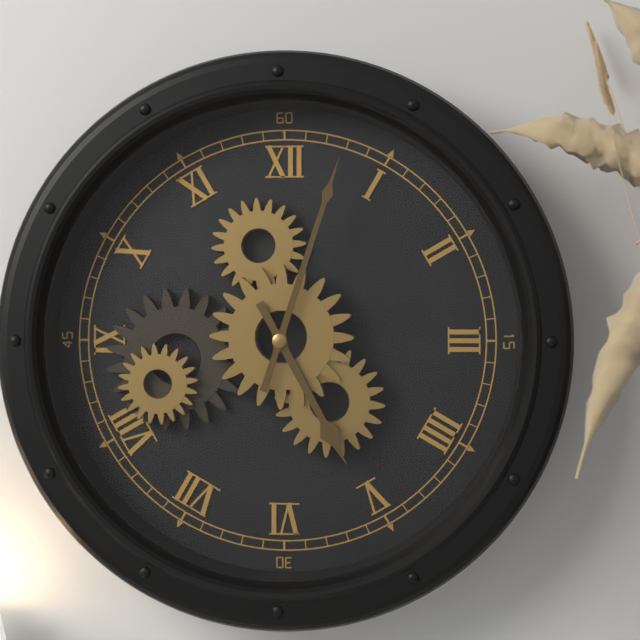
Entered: 5.03
